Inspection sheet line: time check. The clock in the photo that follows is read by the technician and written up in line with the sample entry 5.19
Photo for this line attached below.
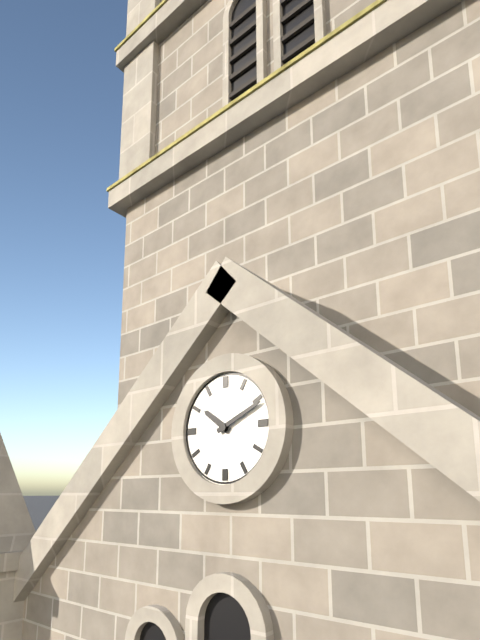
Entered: 10.11
